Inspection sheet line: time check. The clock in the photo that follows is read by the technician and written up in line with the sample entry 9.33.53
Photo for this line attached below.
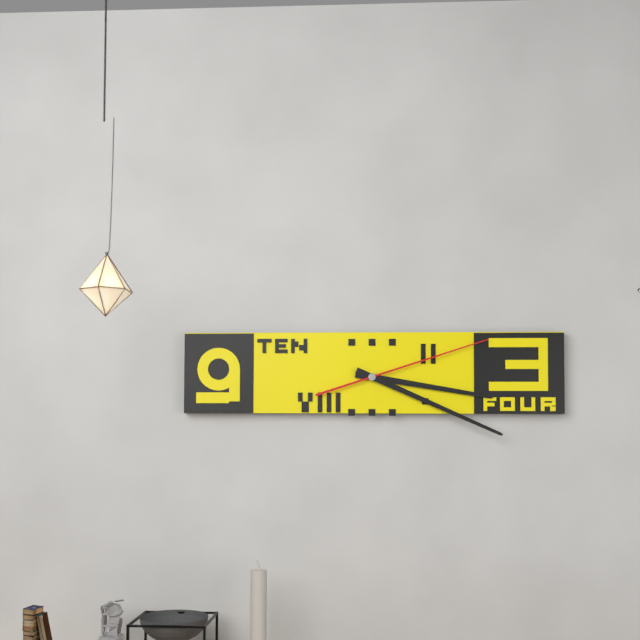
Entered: 3.19.12
